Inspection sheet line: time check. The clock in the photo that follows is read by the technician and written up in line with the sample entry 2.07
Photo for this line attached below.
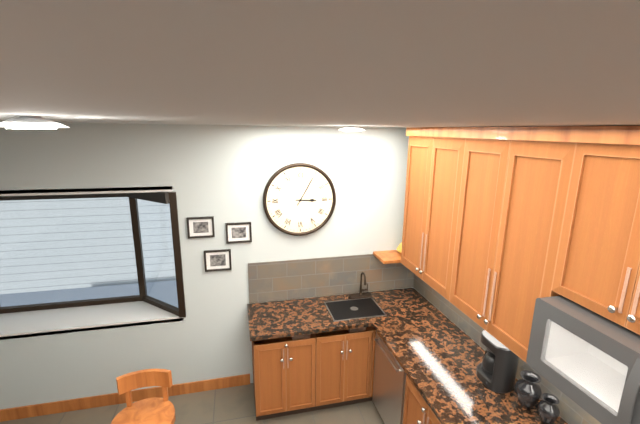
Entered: 3.05
